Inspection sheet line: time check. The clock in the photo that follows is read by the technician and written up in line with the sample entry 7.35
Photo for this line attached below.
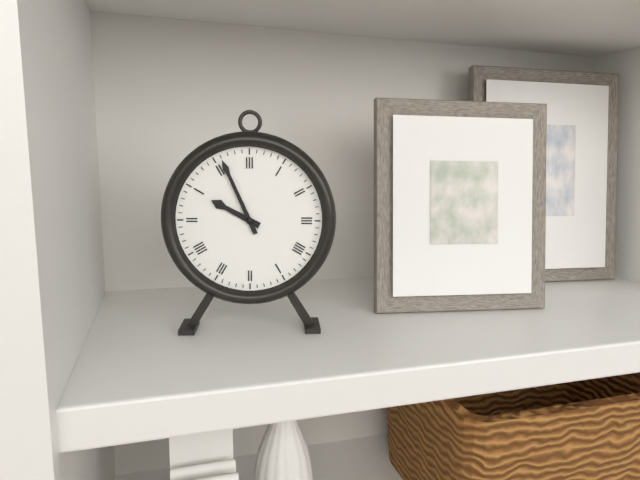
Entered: 9.56
